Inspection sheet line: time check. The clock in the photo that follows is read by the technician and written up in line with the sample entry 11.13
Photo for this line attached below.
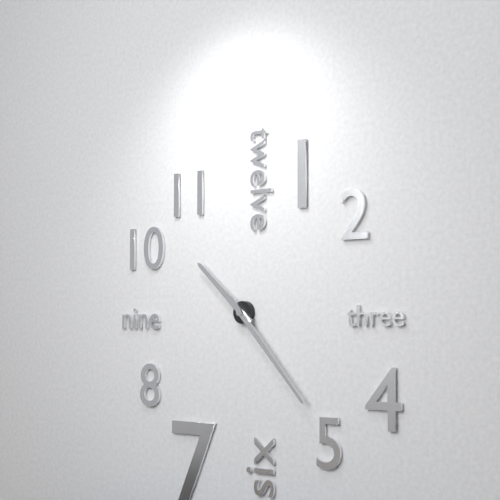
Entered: 10.23
